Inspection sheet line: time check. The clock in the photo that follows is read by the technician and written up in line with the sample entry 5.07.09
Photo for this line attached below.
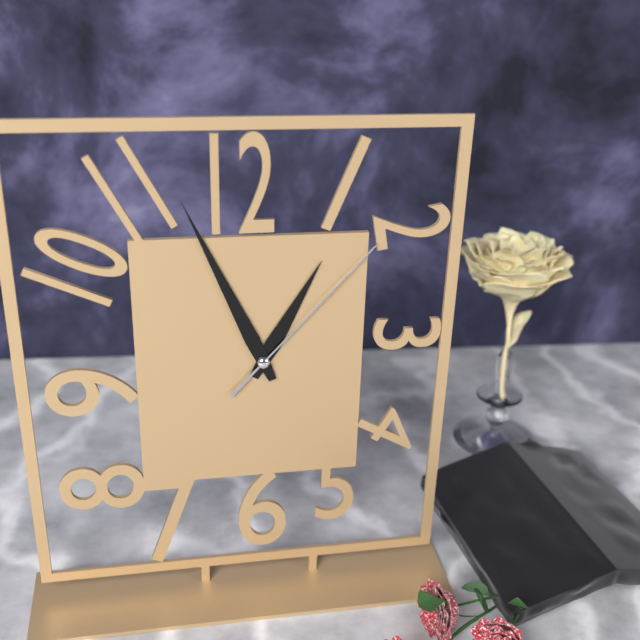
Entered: 12.56.07
